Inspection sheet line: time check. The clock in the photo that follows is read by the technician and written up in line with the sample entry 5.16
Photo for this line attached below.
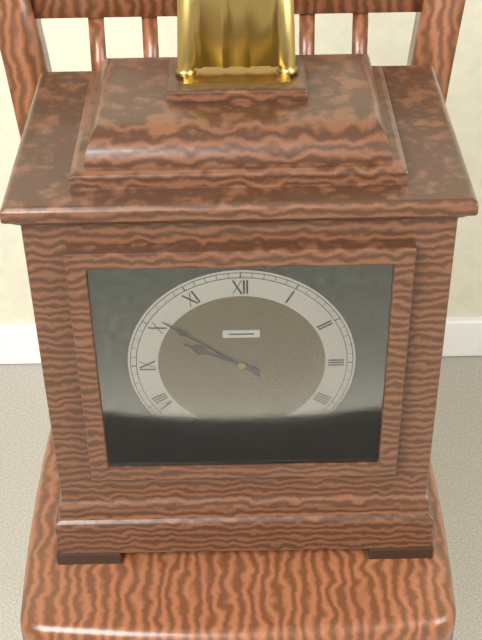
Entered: 9.51
